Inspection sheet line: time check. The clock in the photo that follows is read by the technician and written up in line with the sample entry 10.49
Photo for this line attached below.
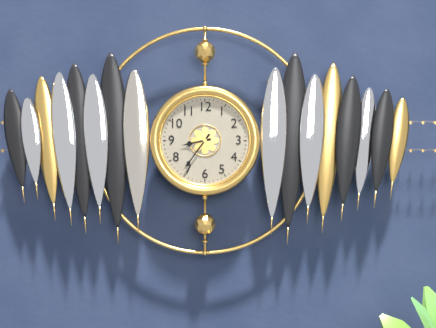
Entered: 8.36
